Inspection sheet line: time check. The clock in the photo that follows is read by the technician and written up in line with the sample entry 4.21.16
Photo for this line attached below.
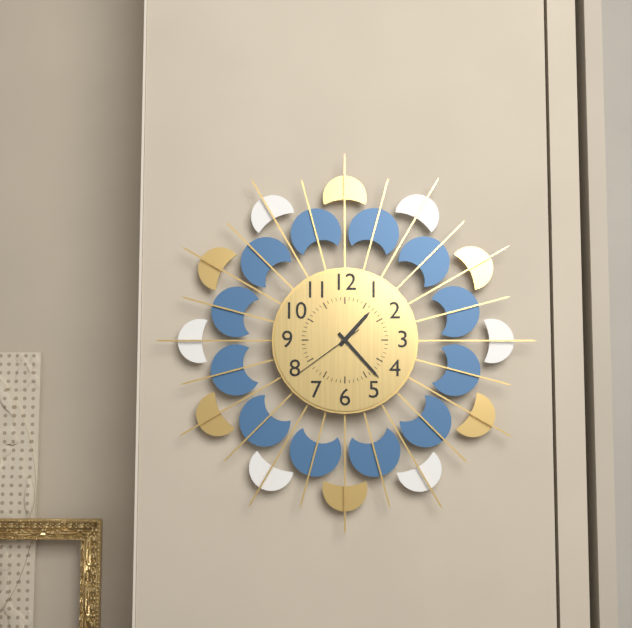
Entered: 1.23.39
